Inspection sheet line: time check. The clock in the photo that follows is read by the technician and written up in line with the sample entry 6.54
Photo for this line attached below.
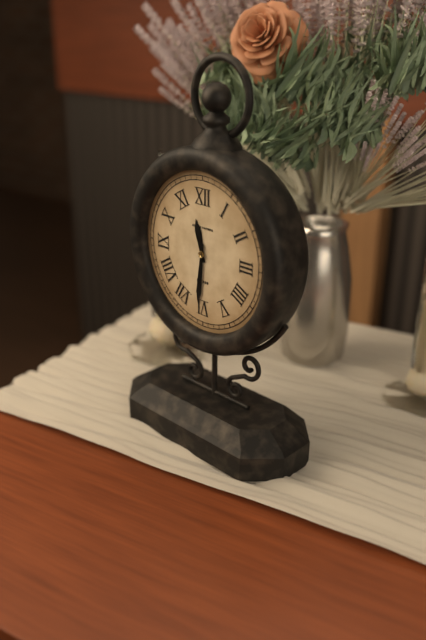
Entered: 11.31
